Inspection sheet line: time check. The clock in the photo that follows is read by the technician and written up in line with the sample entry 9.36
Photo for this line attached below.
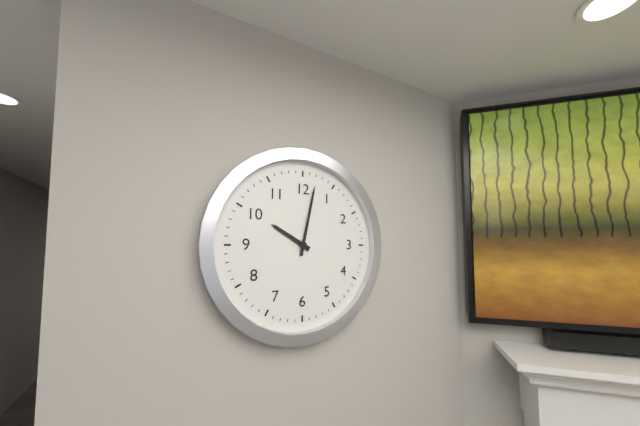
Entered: 10.02
